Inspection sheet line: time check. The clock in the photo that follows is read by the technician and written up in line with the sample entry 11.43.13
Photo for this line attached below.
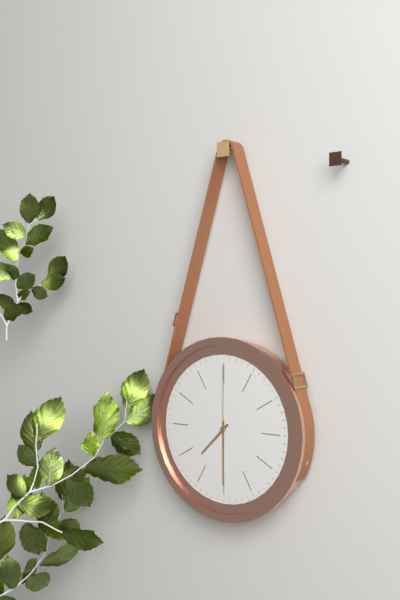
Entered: 7.30.00
